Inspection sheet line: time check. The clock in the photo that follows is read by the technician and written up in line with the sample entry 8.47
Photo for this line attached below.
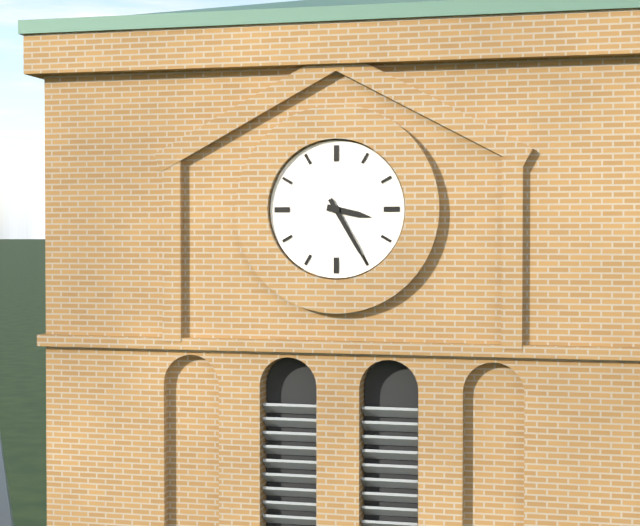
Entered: 3.25
